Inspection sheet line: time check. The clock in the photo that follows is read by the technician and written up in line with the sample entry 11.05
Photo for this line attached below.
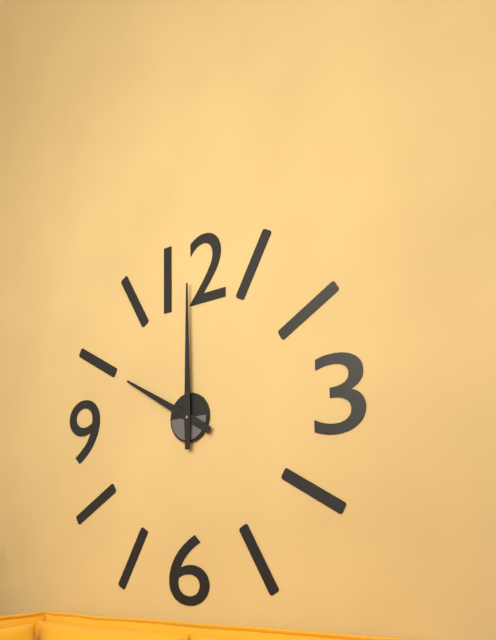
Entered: 10.00
